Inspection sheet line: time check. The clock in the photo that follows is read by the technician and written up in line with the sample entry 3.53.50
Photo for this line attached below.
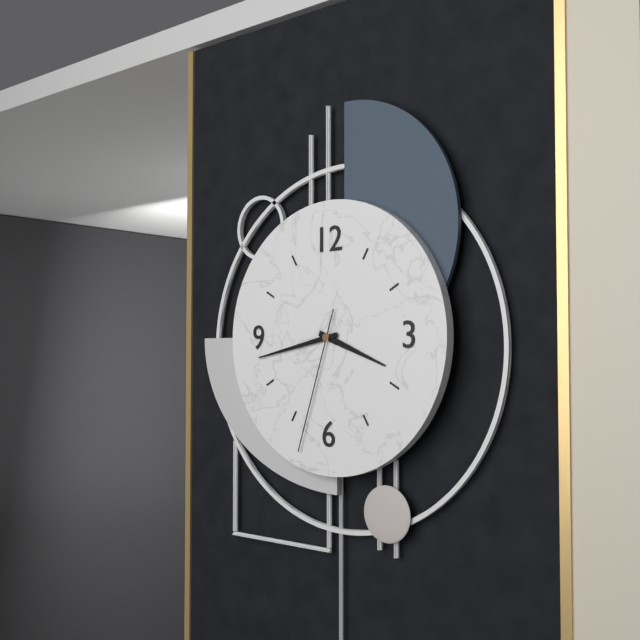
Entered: 3.43.33
